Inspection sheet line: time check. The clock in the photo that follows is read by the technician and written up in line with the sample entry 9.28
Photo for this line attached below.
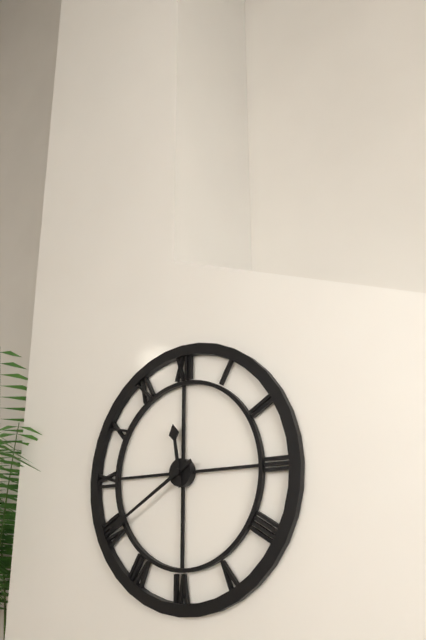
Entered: 11.40
